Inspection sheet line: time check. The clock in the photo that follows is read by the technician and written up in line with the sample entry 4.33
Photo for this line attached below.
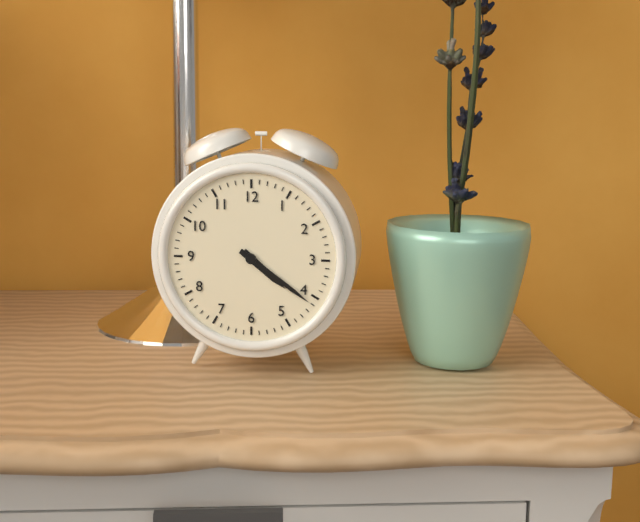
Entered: 4.21
